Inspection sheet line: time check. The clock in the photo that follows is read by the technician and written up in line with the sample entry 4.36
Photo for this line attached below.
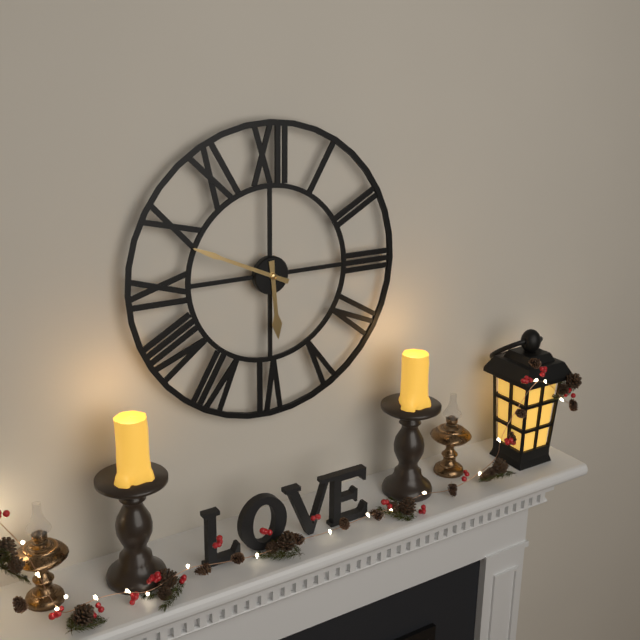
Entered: 5.49
